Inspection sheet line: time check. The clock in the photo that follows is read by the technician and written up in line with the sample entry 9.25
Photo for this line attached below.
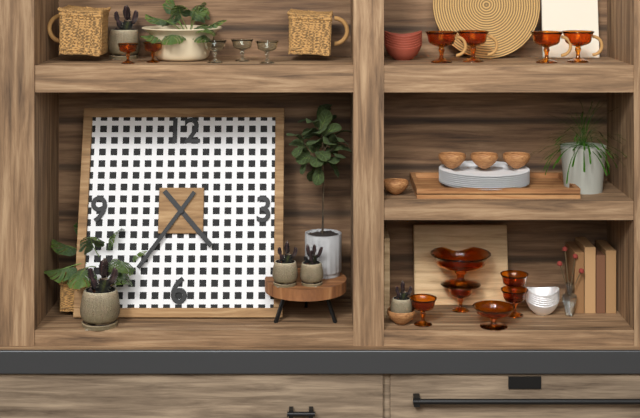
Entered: 4.36
